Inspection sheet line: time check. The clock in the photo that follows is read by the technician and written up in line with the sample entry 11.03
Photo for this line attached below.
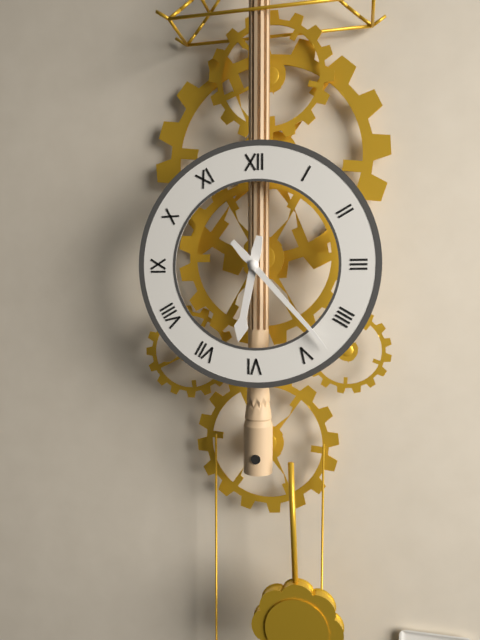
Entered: 6.23
